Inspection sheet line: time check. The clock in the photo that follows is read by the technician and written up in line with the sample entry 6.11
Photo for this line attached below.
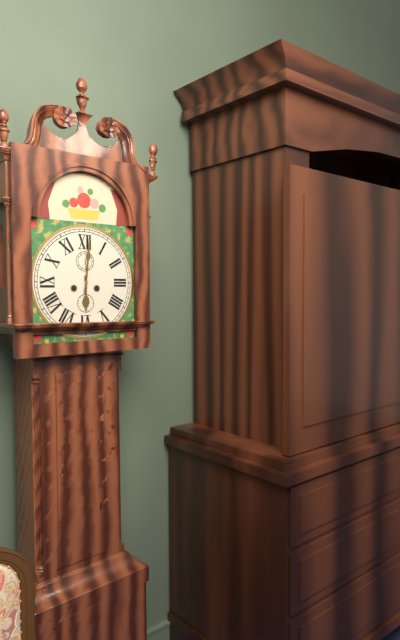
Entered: 6.01
